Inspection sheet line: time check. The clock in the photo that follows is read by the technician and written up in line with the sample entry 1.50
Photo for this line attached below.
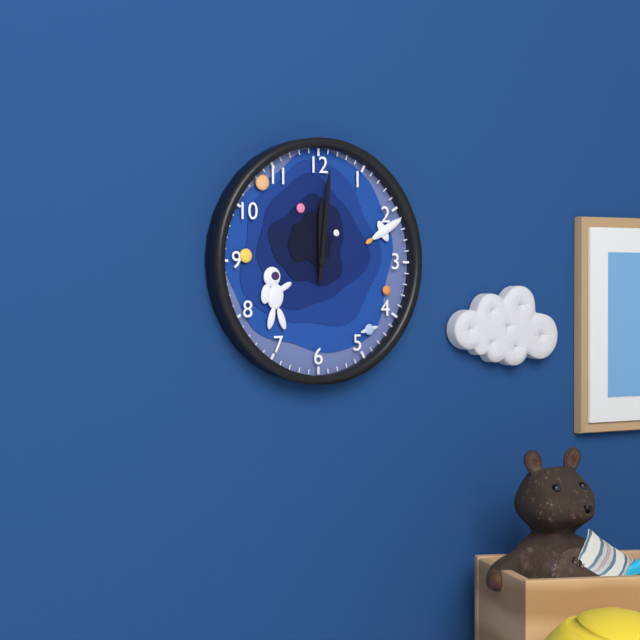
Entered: 12.01
